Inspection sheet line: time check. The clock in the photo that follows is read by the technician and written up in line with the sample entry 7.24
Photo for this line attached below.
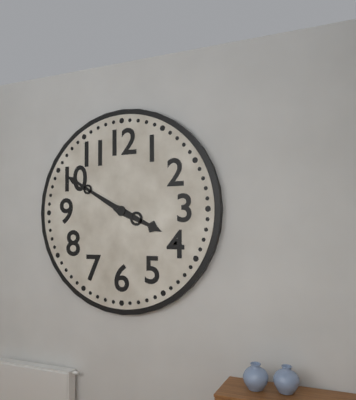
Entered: 3.50
